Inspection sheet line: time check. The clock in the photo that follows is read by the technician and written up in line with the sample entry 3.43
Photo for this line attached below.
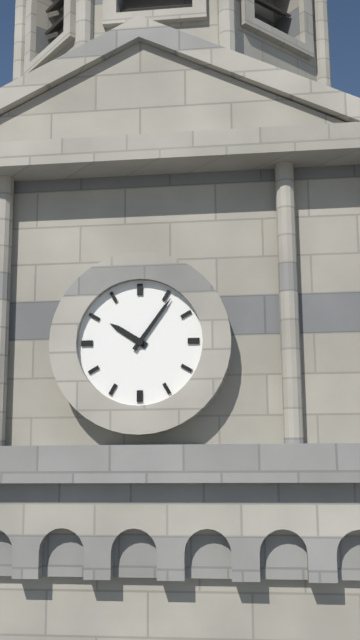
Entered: 10.06
